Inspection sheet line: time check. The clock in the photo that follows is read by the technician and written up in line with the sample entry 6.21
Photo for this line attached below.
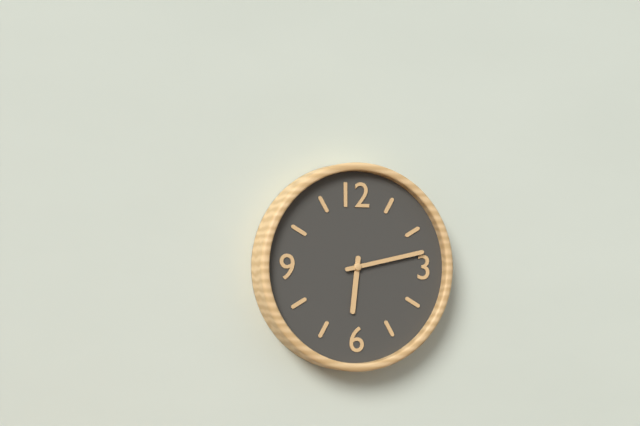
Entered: 6.13
